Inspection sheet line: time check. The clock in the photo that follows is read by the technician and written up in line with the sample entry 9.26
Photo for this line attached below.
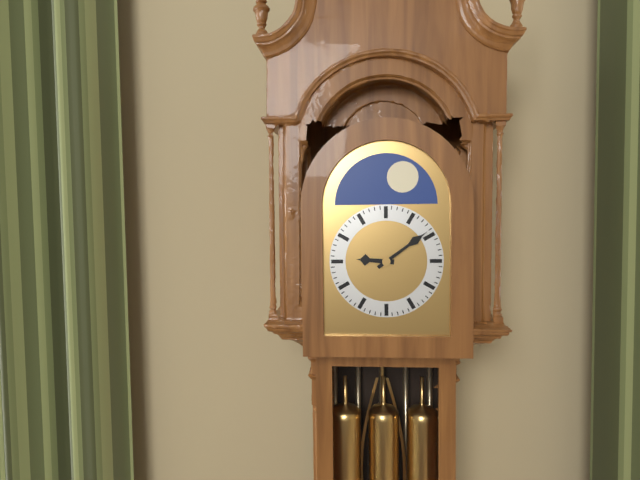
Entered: 9.09
